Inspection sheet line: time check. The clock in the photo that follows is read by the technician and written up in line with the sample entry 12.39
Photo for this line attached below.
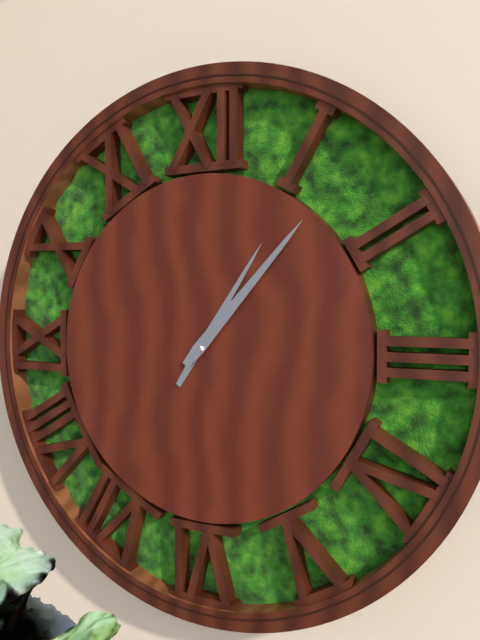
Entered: 1.07
